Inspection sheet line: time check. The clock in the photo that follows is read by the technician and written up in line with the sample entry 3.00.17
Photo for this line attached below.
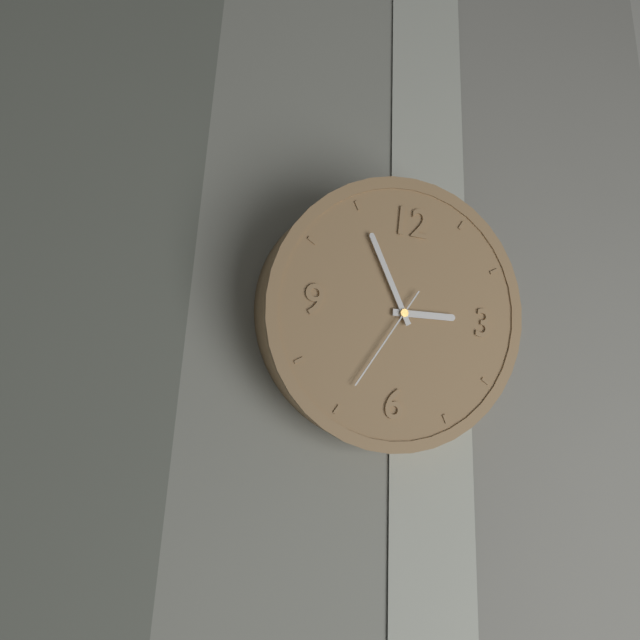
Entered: 2.55.35
